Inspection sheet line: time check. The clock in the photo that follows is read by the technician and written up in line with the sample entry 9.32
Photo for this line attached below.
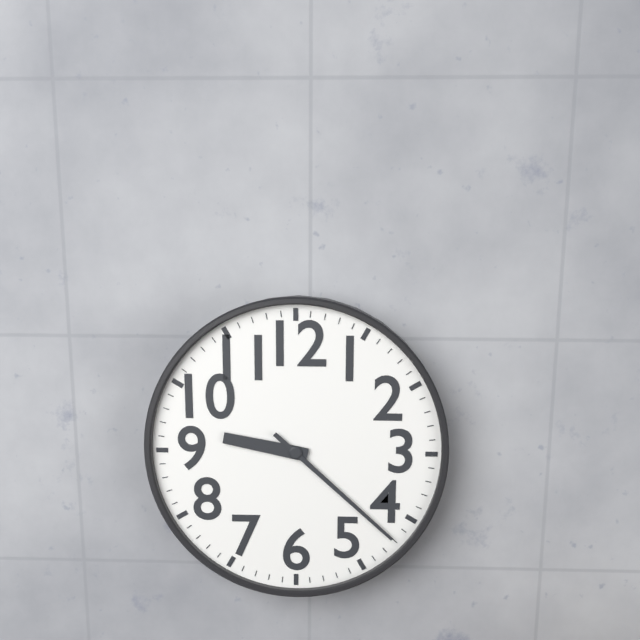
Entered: 9.22
